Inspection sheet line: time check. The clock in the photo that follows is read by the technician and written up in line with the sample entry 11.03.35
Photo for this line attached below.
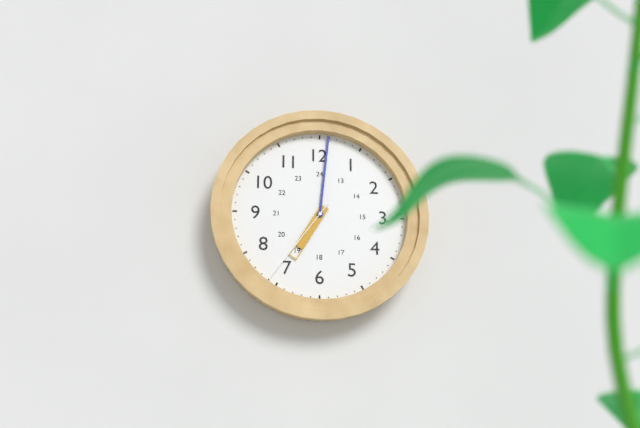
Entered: 7.01.36
